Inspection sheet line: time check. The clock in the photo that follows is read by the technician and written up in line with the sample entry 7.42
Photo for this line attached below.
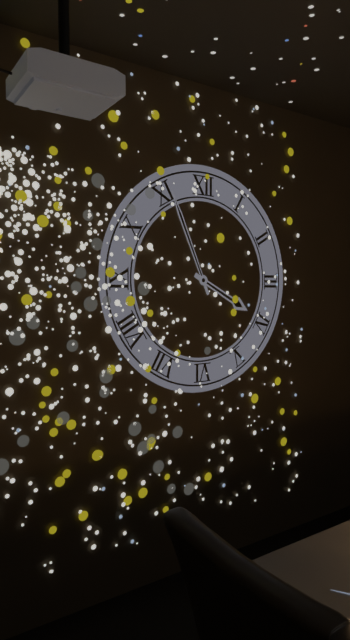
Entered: 3.56
